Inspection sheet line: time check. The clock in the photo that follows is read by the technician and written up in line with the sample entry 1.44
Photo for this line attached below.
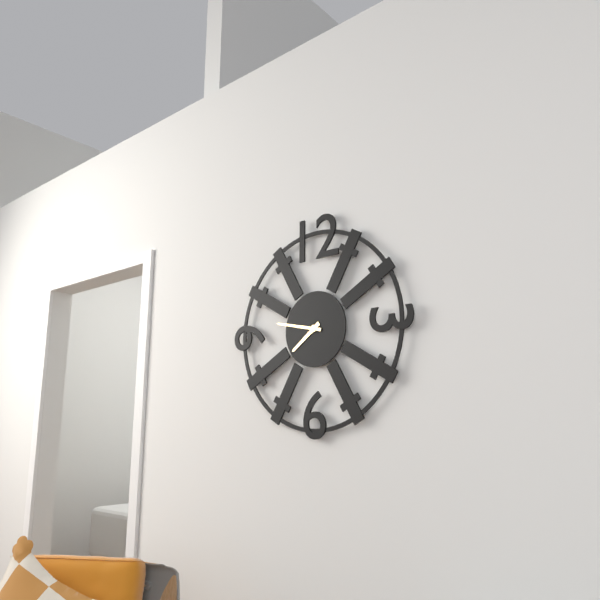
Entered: 7.47
